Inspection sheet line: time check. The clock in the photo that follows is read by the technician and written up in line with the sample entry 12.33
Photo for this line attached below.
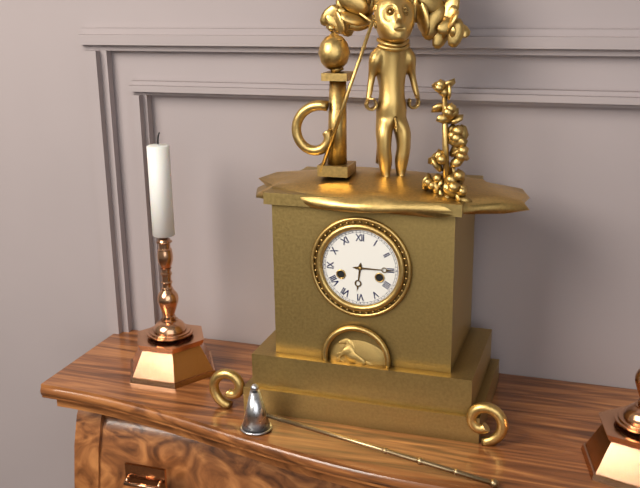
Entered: 6.15
